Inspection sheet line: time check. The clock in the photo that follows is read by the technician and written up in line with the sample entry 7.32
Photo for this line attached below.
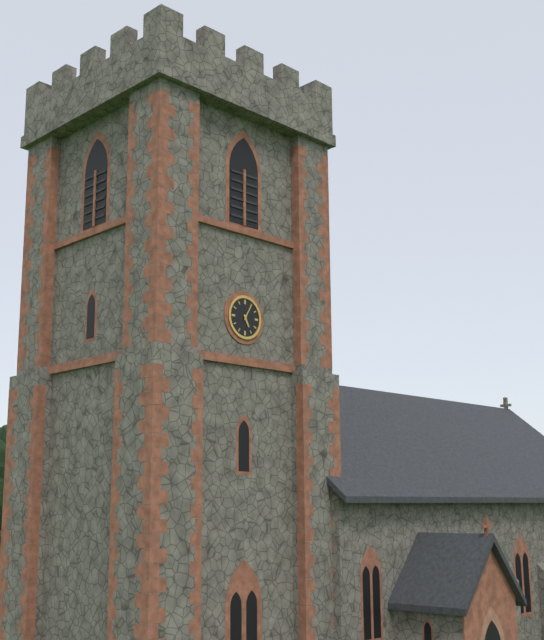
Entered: 5.05
